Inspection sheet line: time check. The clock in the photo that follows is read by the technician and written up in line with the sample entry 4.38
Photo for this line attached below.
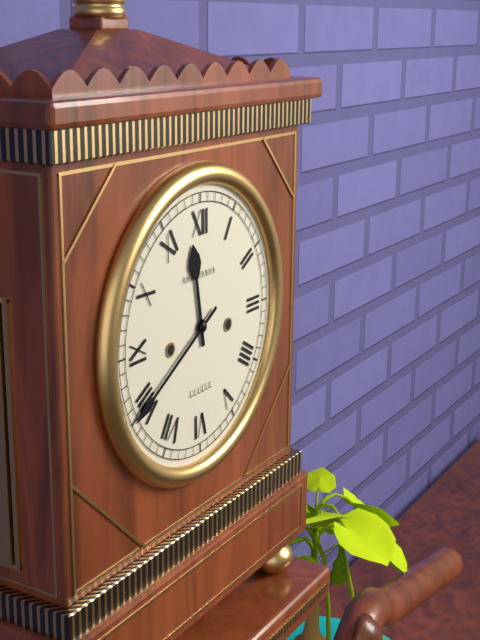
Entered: 11.40
